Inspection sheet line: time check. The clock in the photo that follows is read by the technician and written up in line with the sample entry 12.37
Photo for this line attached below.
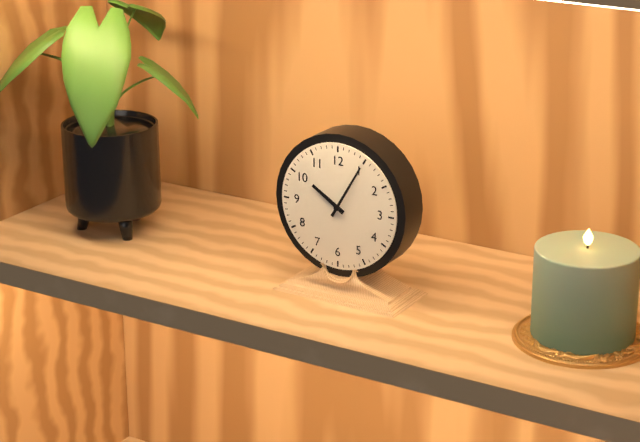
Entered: 10.05
